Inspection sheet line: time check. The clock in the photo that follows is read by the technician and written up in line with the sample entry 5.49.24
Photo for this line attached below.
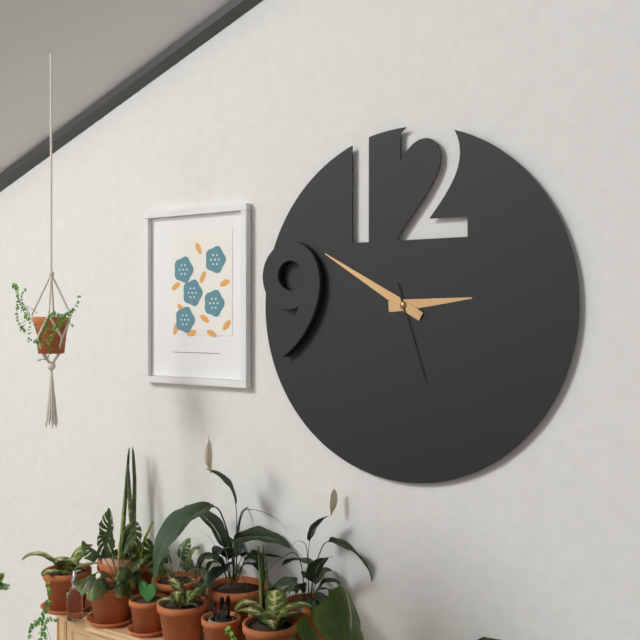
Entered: 2.50.27
